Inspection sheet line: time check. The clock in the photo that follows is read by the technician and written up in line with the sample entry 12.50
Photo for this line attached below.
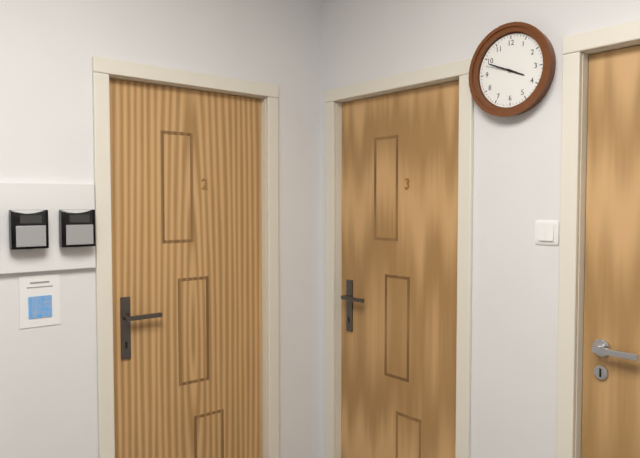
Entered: 3.49
